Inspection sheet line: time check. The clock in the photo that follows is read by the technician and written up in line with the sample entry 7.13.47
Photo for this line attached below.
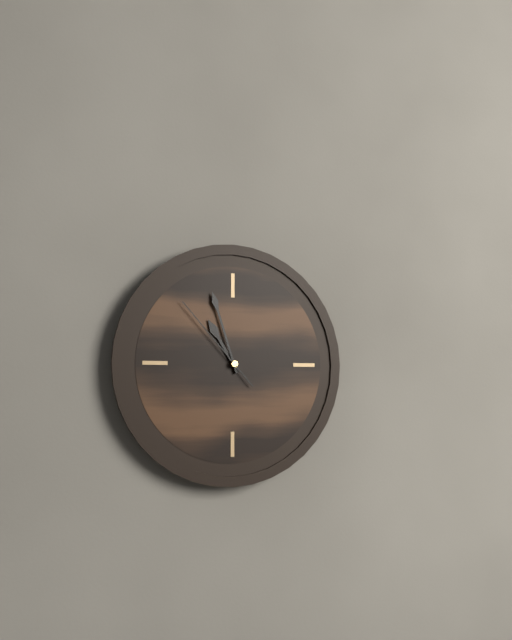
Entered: 10.57.53
